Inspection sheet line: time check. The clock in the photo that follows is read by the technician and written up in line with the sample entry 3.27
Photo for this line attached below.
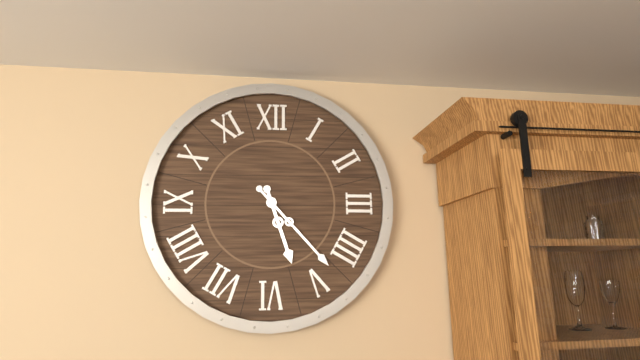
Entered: 5.23
